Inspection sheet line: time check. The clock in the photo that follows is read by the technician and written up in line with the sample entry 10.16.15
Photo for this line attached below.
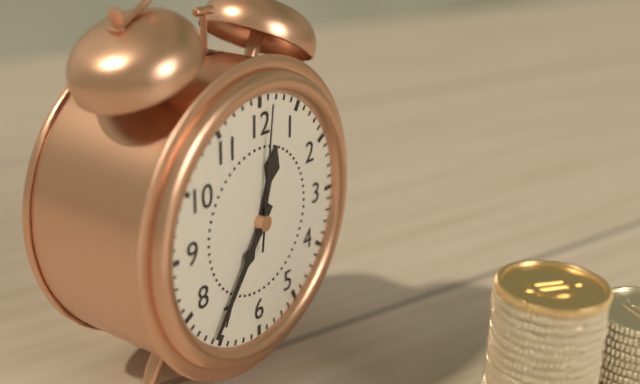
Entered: 12.36.01
